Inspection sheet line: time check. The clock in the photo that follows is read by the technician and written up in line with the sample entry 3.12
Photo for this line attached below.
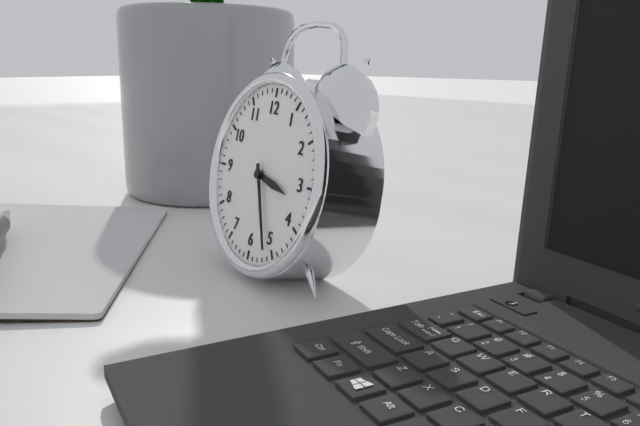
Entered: 3.26
